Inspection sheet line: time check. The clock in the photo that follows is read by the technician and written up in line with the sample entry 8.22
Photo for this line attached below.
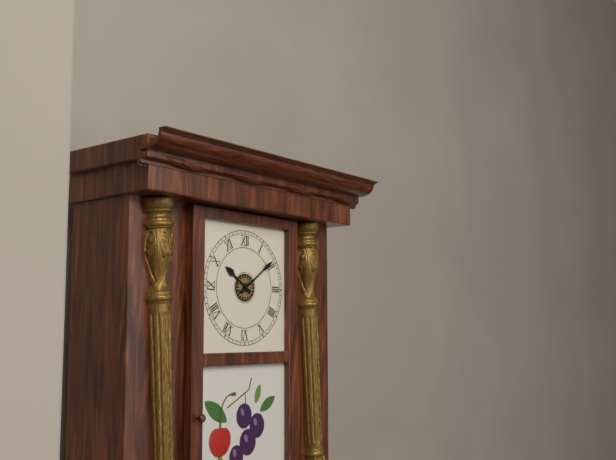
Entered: 10.09
